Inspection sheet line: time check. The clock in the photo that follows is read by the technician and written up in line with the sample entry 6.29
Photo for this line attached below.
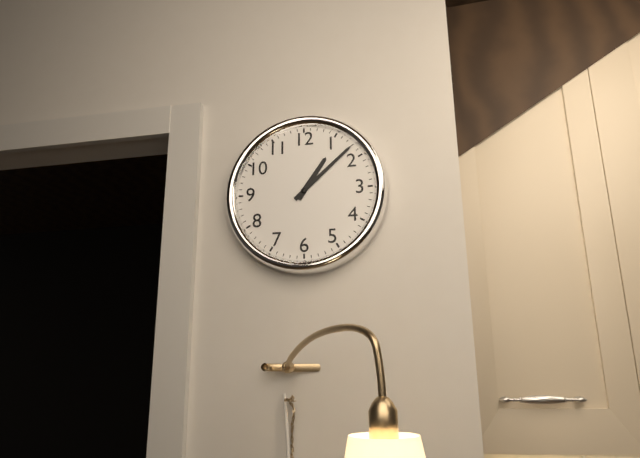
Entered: 1.08
